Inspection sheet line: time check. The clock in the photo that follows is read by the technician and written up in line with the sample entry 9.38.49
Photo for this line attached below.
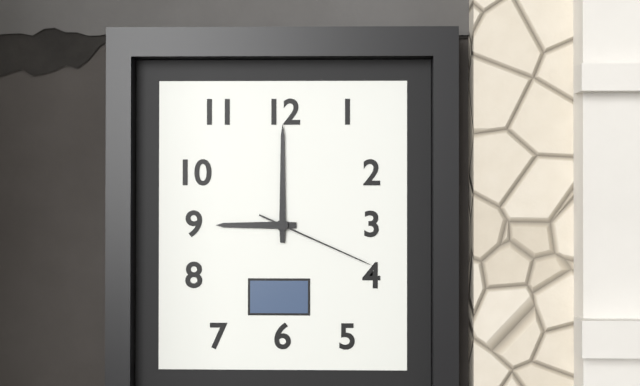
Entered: 9.00.19
